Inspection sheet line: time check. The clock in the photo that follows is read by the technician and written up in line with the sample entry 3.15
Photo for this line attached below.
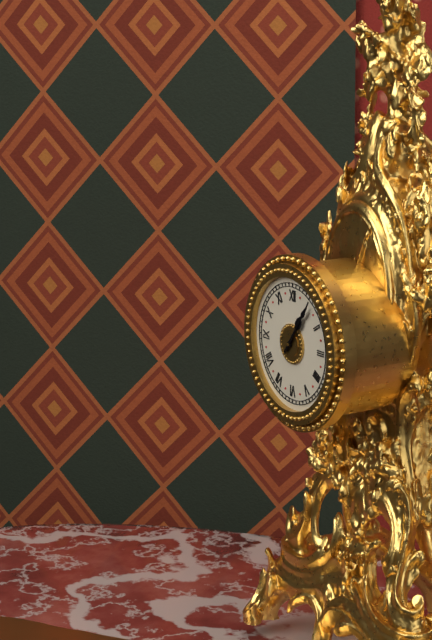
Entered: 1.06
